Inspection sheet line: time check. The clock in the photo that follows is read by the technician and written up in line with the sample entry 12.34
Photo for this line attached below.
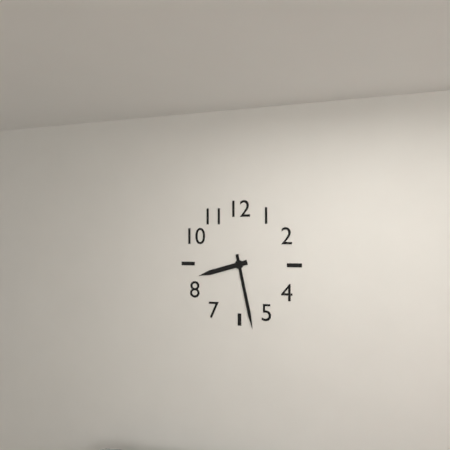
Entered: 8.28
